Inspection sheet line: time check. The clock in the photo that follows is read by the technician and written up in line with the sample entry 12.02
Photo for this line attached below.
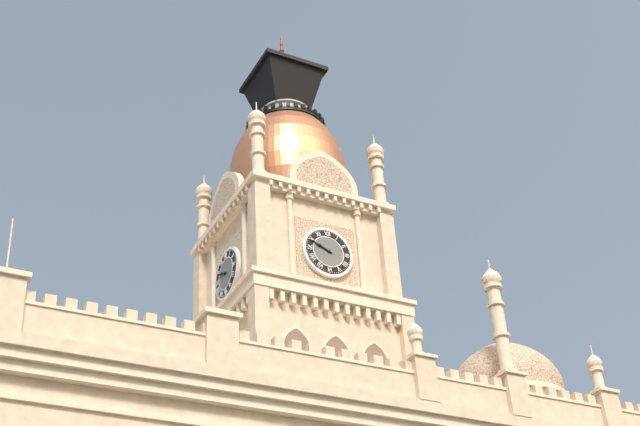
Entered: 9.49
